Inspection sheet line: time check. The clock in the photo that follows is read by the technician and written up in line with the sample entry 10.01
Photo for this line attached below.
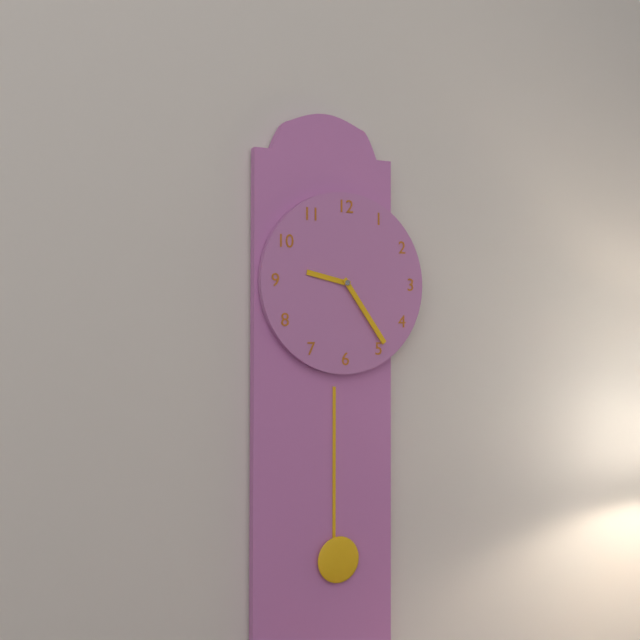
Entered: 9.24
